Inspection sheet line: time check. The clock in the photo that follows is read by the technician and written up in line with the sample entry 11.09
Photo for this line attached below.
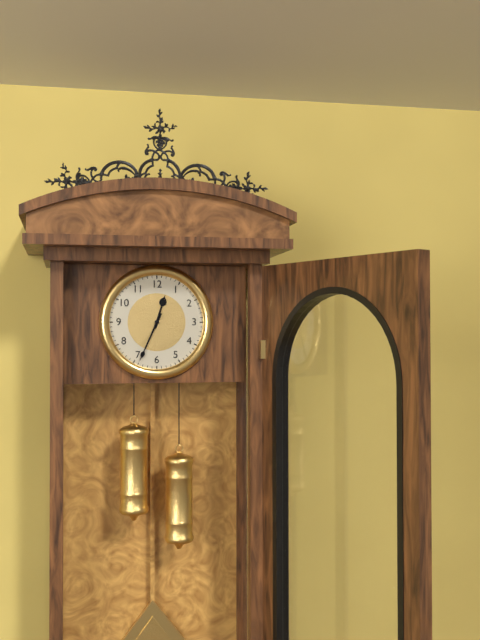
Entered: 12.34
